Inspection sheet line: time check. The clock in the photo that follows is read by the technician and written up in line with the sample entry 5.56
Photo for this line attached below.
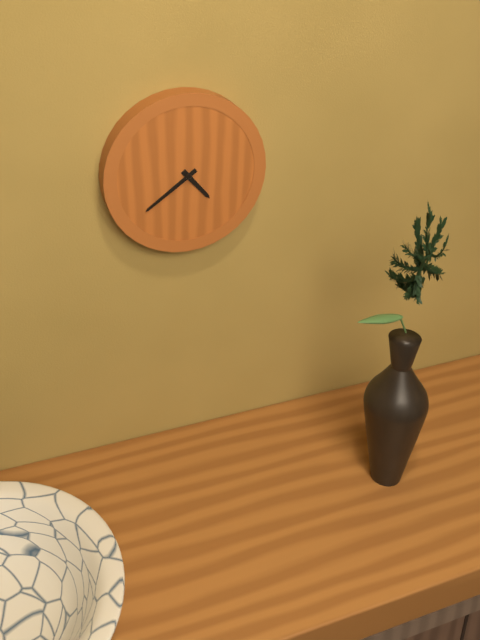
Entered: 4.39
